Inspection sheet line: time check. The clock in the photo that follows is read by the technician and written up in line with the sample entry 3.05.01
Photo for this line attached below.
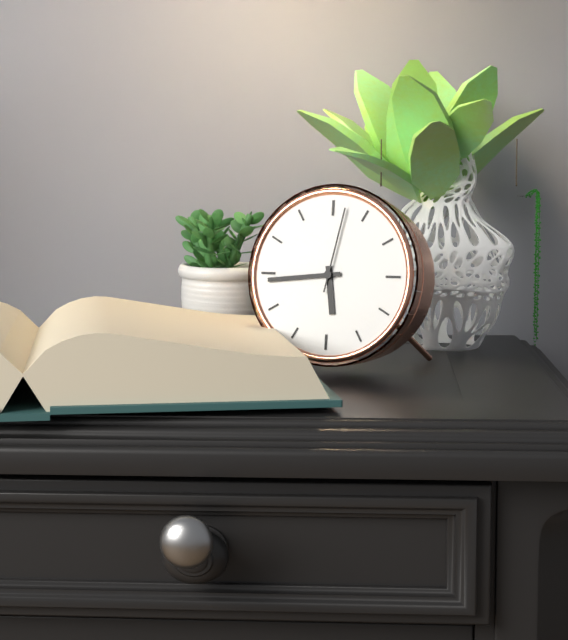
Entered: 5.44.02
